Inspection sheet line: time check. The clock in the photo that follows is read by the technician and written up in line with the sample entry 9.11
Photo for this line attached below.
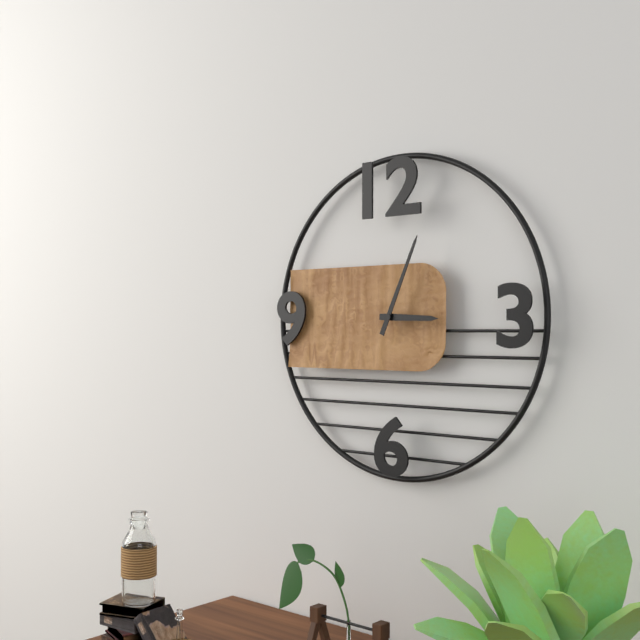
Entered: 3.04
